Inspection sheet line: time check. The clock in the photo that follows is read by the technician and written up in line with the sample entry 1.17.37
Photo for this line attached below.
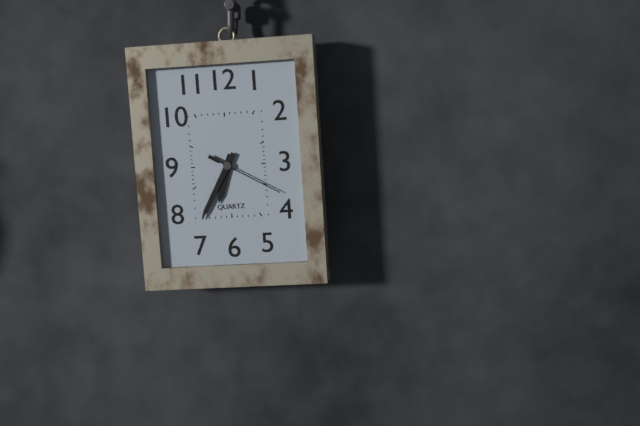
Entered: 6.35.20
